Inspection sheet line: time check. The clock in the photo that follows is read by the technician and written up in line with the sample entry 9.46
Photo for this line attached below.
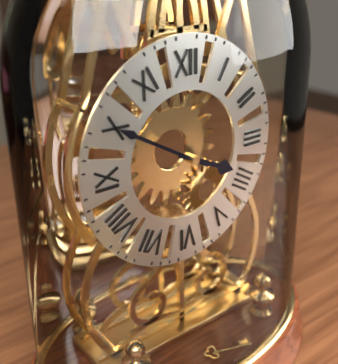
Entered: 3.50
